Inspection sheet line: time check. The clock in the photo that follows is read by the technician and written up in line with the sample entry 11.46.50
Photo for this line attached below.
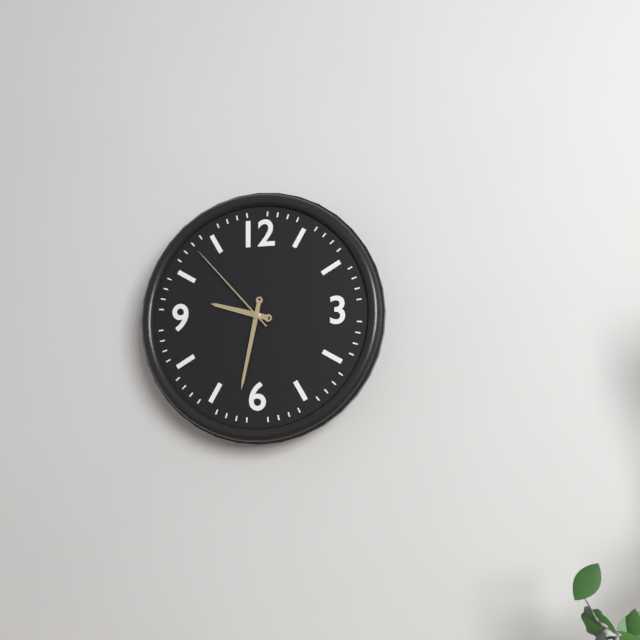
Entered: 9.32.53
